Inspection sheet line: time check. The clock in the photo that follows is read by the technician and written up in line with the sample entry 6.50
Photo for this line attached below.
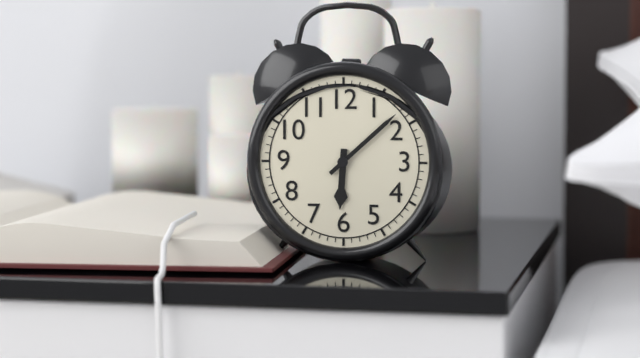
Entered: 6.08
